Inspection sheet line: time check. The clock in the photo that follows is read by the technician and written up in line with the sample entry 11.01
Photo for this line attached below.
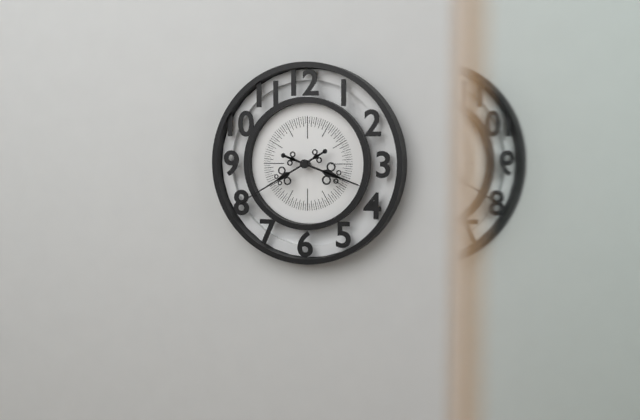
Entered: 3.40
